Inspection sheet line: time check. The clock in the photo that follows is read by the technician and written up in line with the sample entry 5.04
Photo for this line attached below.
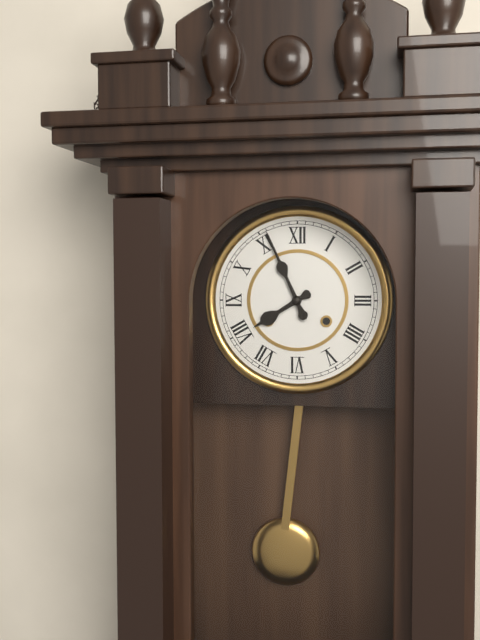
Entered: 7.56
